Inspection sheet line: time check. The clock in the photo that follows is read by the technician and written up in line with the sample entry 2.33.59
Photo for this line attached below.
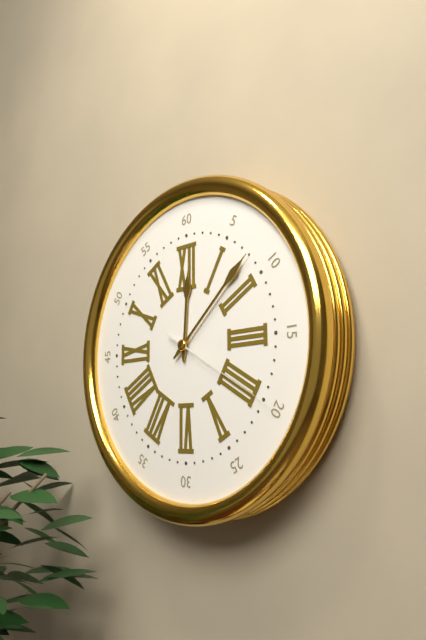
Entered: 12.08.20
